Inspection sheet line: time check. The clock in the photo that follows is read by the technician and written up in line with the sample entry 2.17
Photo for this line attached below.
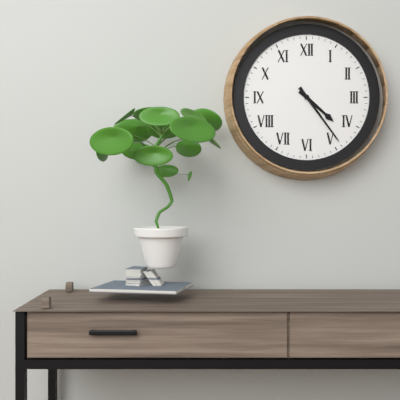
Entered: 4.24
